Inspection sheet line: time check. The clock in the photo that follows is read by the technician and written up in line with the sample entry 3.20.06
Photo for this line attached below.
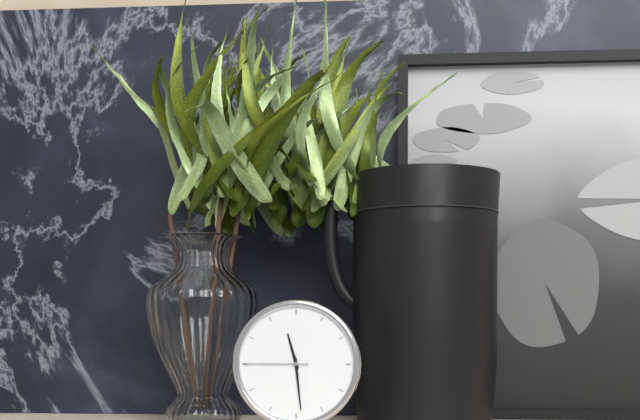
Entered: 11.29.45
